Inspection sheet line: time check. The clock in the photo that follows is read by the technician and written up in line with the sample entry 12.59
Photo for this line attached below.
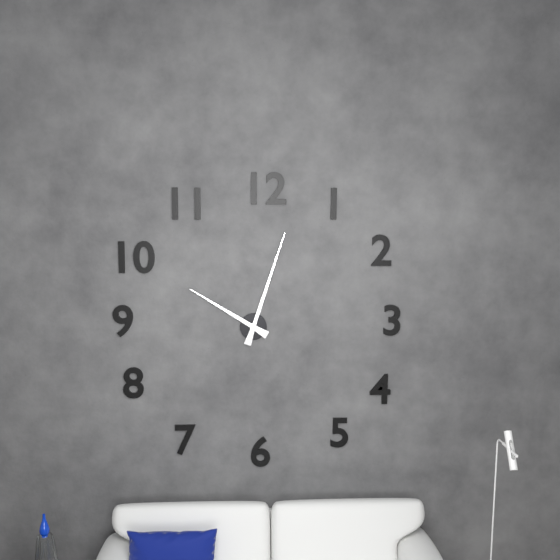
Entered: 10.03
